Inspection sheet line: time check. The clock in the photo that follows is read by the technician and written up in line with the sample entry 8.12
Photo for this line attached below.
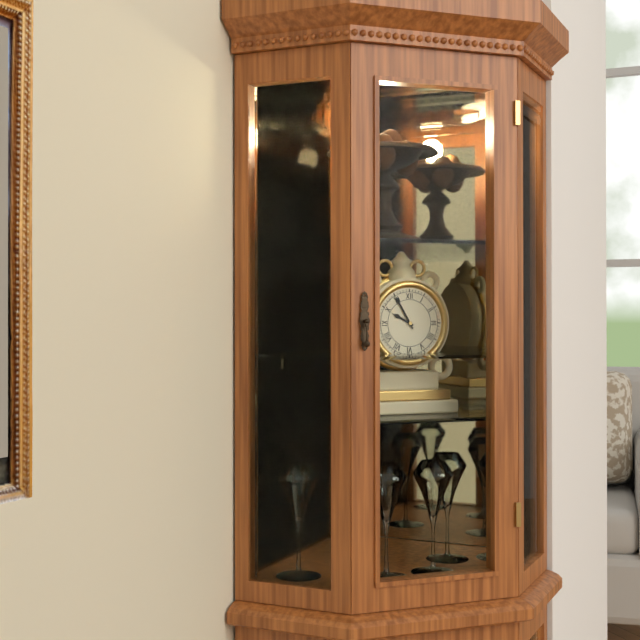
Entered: 9.55
